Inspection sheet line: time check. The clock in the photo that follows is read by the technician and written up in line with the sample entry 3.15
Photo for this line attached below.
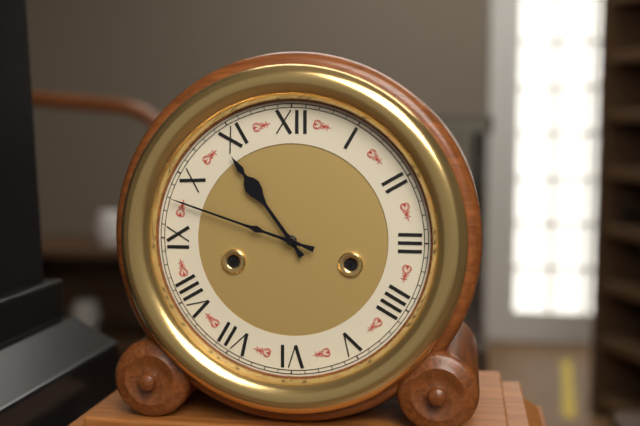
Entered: 10.48
